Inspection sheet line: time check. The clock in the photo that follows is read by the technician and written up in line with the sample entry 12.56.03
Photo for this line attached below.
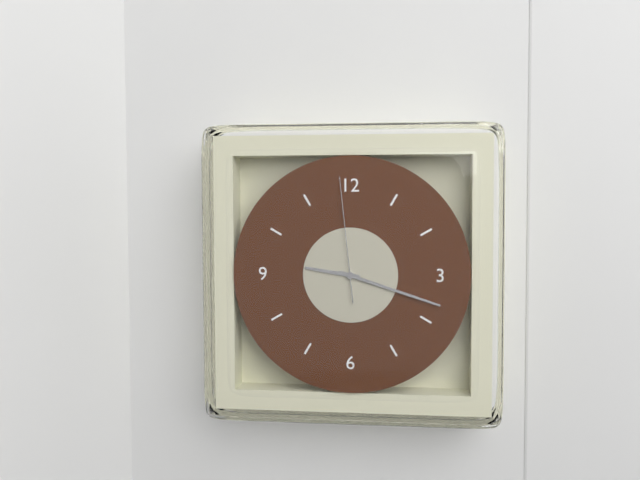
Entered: 9.18.59
